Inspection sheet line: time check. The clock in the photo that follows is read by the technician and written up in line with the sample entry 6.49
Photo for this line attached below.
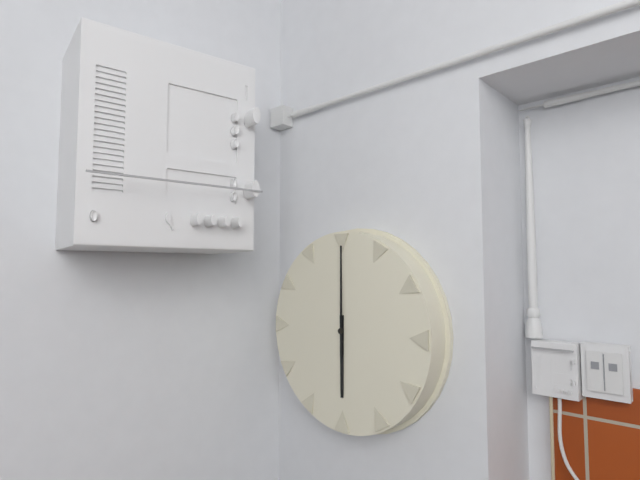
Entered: 6.00
